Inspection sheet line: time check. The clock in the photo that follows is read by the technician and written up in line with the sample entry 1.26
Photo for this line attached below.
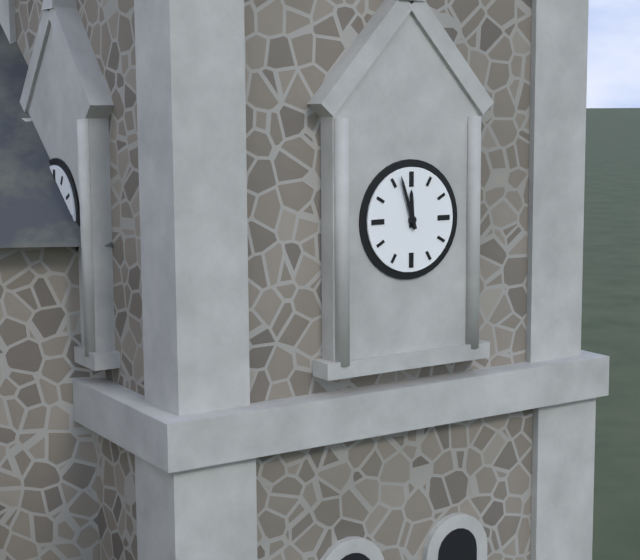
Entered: 11.57
